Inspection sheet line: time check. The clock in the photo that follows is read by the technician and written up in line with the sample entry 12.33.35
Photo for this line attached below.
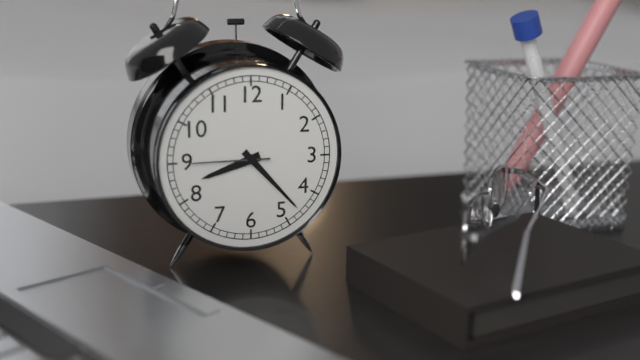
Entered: 8.23.45
